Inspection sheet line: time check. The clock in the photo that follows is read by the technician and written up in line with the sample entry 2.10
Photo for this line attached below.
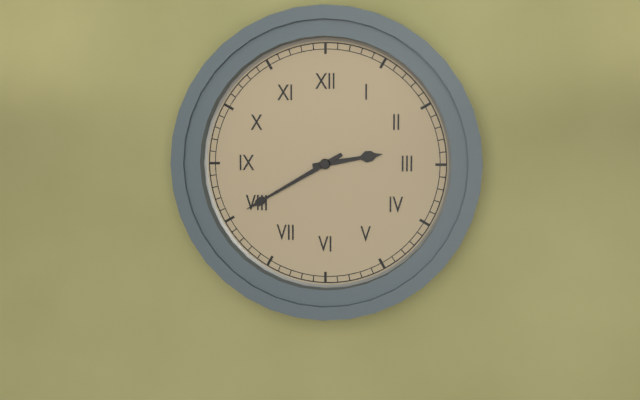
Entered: 2.40
